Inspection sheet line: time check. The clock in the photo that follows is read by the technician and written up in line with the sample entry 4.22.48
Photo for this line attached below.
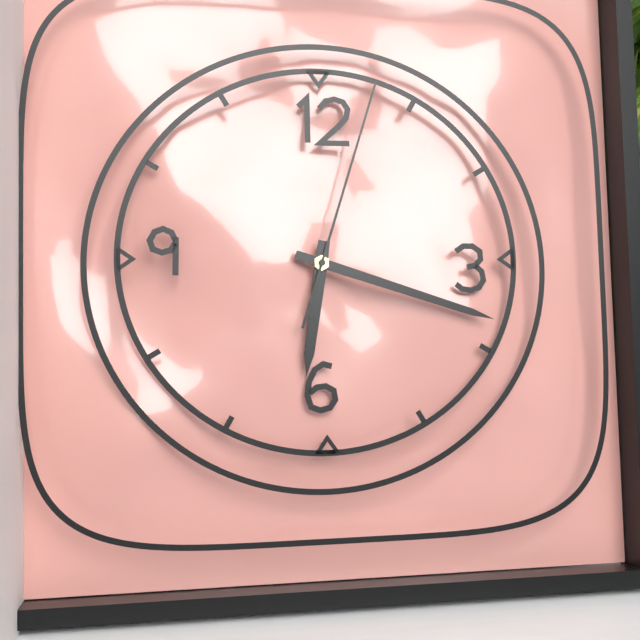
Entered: 6.18.03
